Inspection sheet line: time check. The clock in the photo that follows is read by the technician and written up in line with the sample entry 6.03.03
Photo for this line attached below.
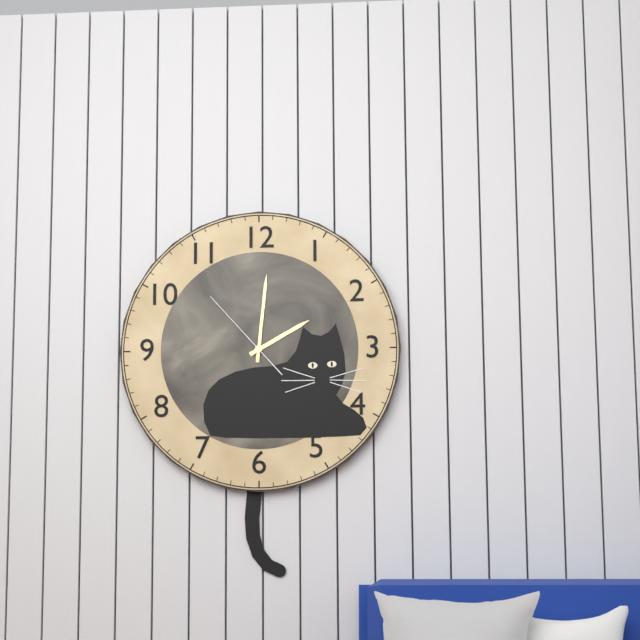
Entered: 2.01.53
